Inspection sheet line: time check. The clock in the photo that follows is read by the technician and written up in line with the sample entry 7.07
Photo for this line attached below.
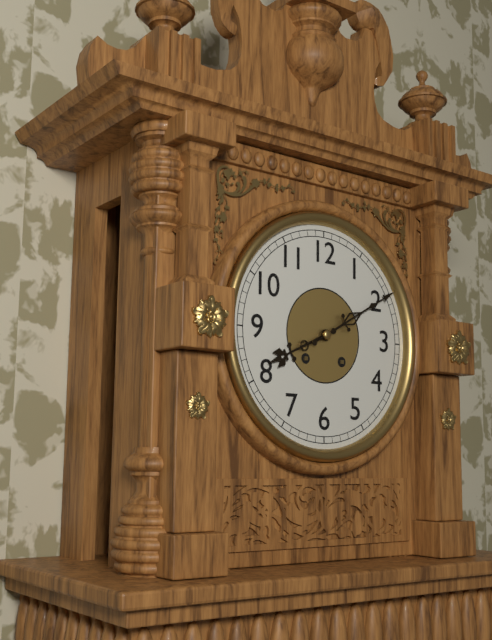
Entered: 8.10
